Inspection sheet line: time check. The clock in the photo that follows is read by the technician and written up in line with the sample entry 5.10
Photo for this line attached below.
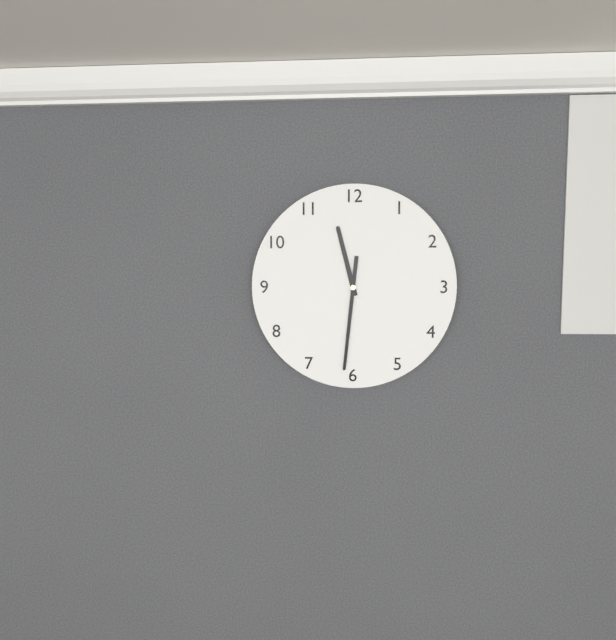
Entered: 11.31
